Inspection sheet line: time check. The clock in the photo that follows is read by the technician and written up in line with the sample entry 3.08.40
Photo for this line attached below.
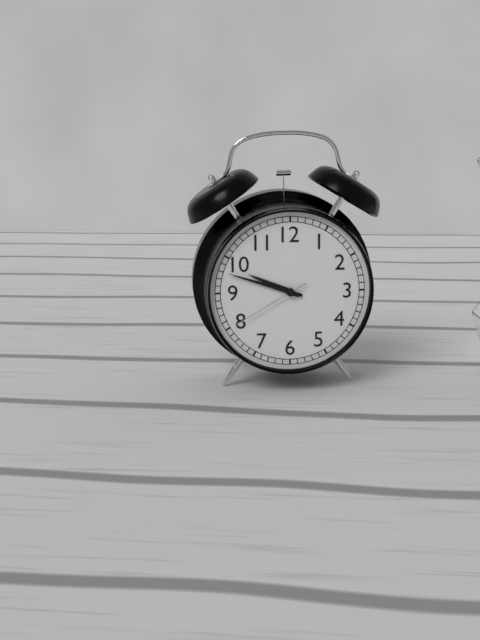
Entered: 9.48.40
